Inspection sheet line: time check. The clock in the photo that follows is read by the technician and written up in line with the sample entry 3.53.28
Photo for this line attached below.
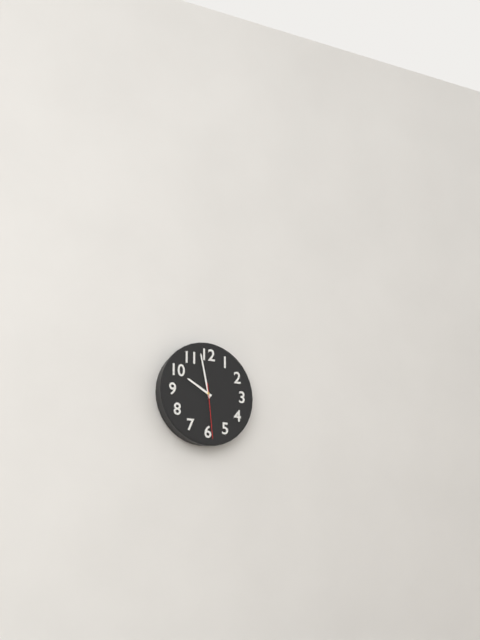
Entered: 9.58.29
